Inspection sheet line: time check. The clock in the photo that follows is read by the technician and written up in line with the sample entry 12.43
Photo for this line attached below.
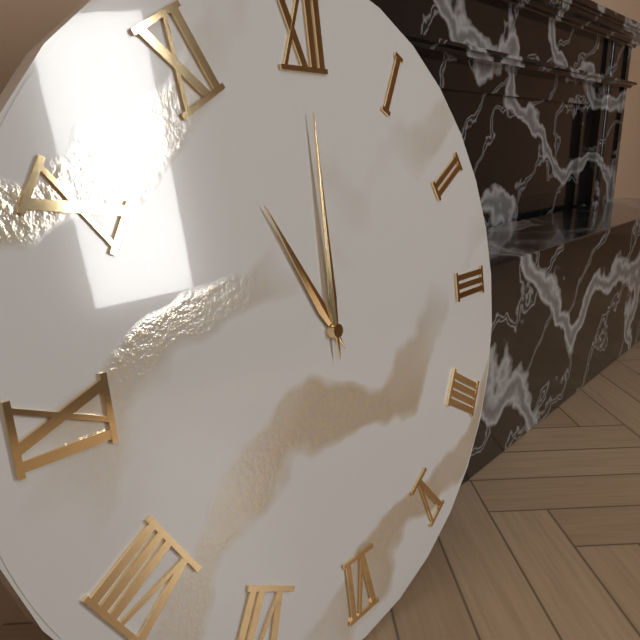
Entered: 11.00
